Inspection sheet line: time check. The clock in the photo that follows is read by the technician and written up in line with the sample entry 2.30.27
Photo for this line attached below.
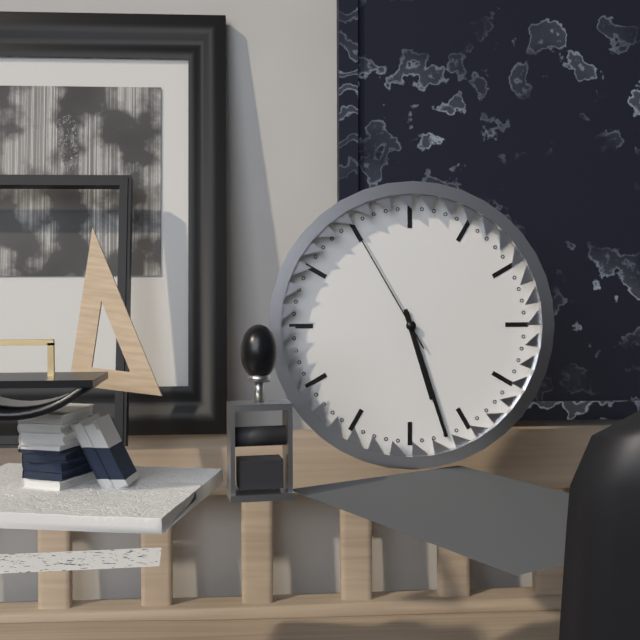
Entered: 5.27.55
